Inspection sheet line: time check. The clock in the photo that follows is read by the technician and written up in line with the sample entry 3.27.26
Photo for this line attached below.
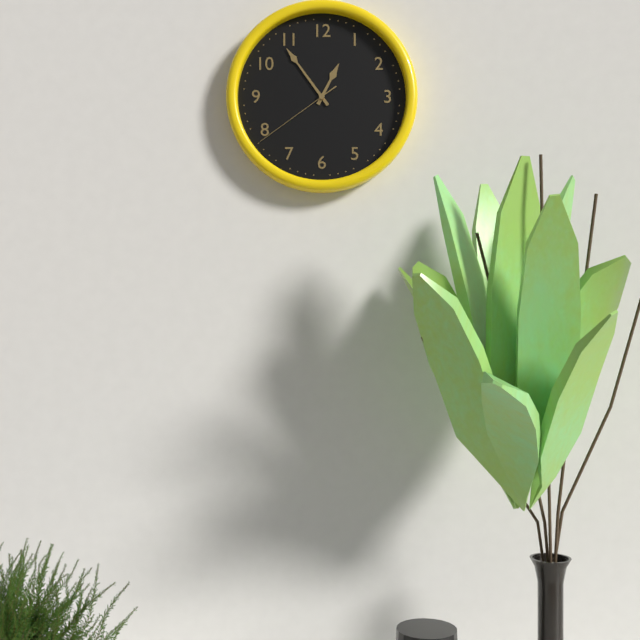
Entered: 12.54.39
